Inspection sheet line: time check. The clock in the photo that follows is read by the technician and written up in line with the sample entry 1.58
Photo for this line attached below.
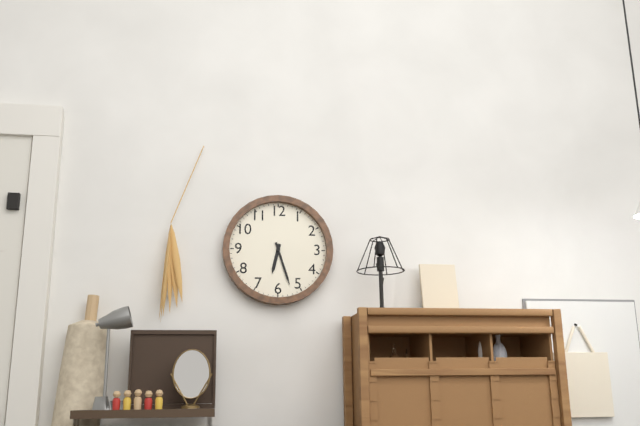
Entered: 6.27
